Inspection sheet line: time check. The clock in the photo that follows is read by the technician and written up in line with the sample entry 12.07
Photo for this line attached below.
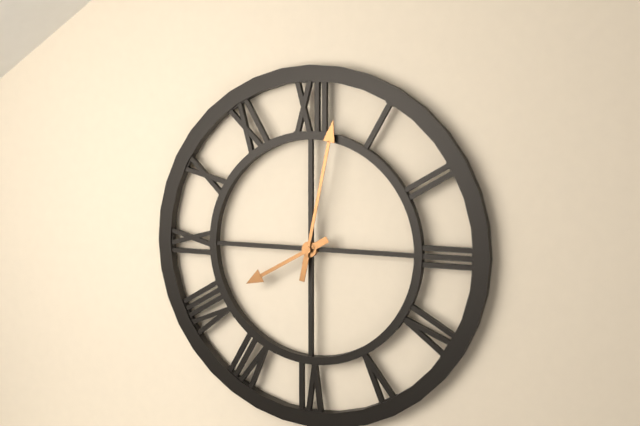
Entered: 8.02
